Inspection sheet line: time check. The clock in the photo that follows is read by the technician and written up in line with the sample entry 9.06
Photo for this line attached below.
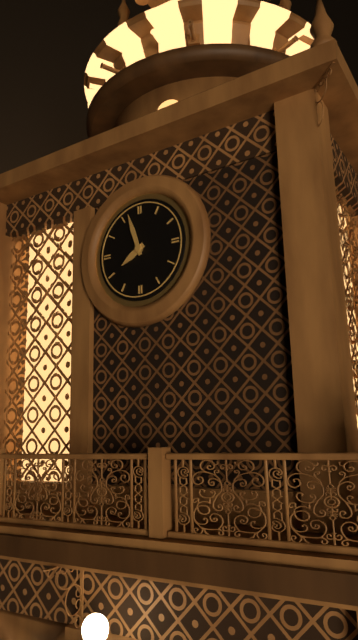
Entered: 7.57
